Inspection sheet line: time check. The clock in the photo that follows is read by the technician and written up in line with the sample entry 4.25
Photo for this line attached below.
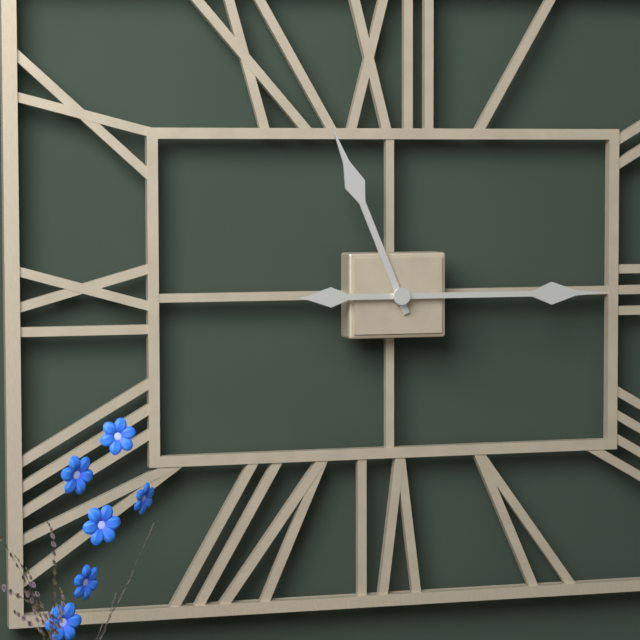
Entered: 11.15
